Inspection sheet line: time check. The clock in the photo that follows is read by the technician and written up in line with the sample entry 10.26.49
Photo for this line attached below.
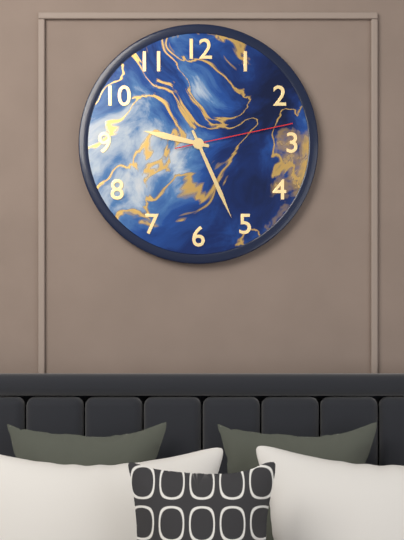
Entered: 9.26.13
